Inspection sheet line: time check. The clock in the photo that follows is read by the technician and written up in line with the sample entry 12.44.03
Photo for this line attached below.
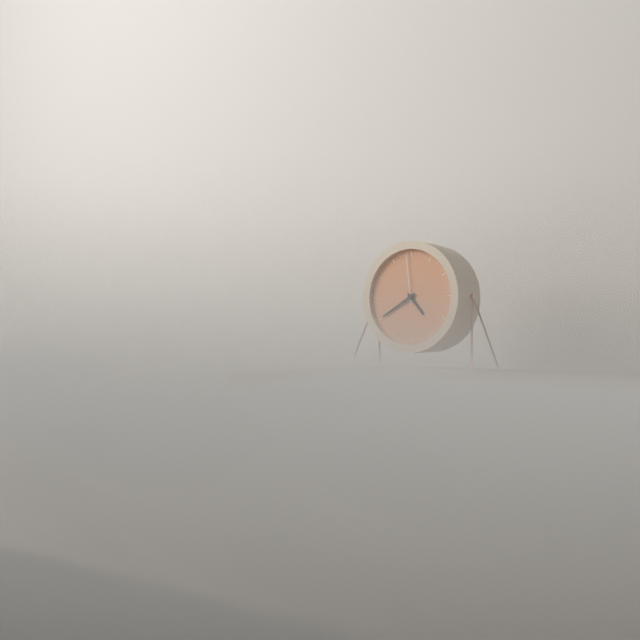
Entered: 4.40.59
